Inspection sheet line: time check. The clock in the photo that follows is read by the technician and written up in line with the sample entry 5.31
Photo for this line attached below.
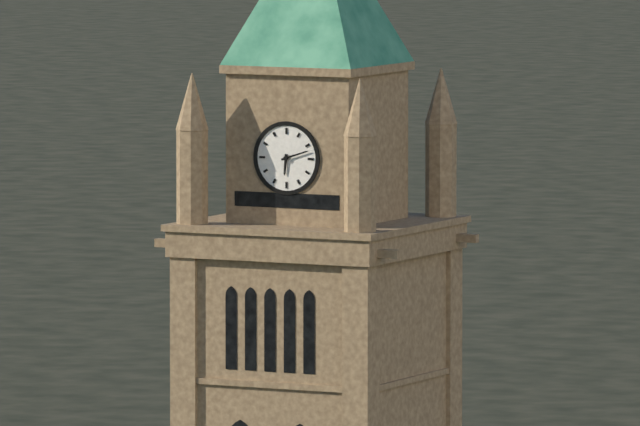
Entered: 6.12
